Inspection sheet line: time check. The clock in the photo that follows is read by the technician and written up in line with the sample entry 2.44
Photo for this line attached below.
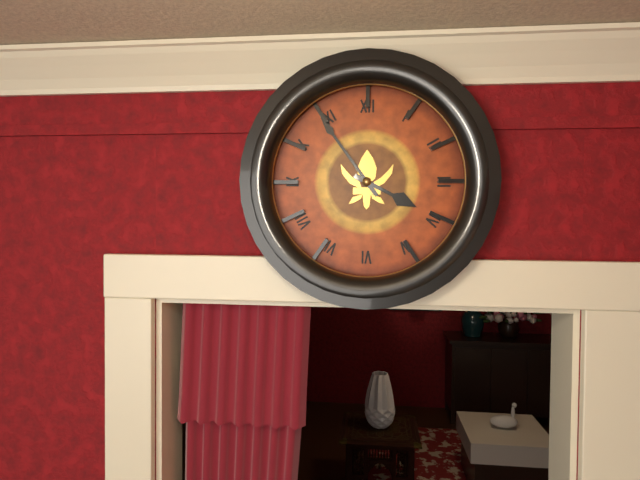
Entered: 3.54
